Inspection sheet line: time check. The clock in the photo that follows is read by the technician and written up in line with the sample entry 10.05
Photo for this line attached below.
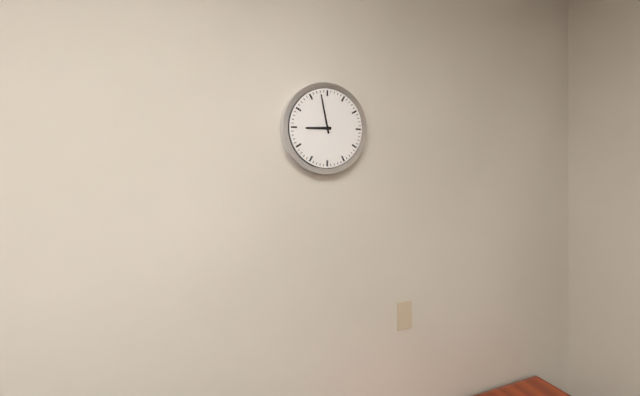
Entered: 8.58
